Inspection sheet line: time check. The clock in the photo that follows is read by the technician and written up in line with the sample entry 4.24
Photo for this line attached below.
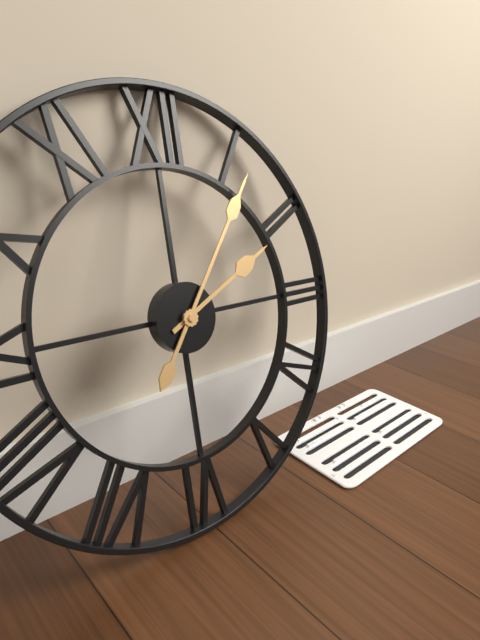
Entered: 2.06
